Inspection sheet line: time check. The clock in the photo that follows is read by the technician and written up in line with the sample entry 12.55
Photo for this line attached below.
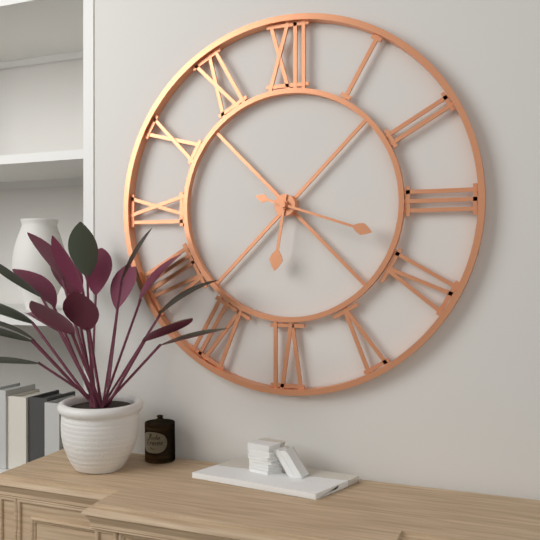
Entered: 6.18
